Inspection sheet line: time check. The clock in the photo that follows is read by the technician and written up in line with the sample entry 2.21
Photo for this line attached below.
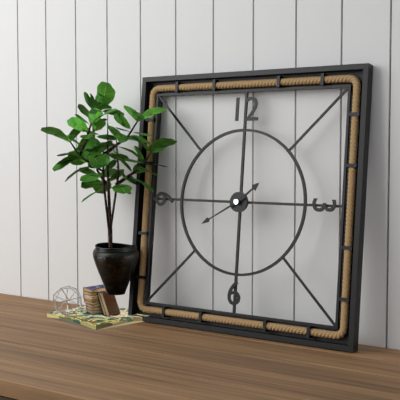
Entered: 1.40
